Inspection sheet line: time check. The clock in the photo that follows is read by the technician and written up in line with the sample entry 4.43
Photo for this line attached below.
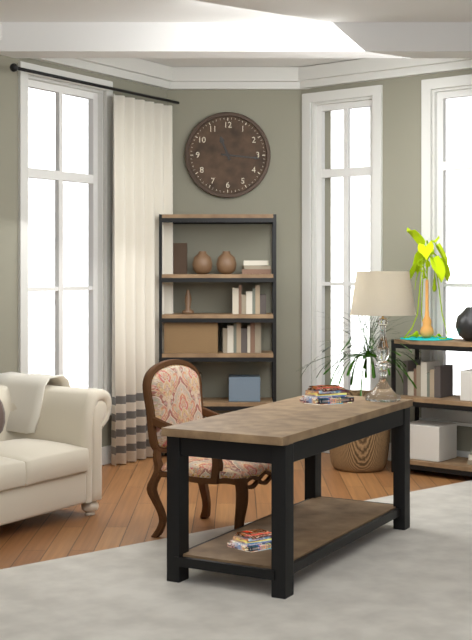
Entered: 11.16
